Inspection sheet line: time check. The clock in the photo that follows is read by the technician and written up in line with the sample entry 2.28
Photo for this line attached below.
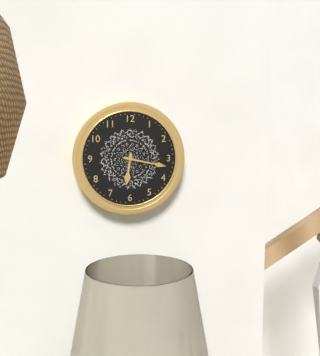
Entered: 6.17
